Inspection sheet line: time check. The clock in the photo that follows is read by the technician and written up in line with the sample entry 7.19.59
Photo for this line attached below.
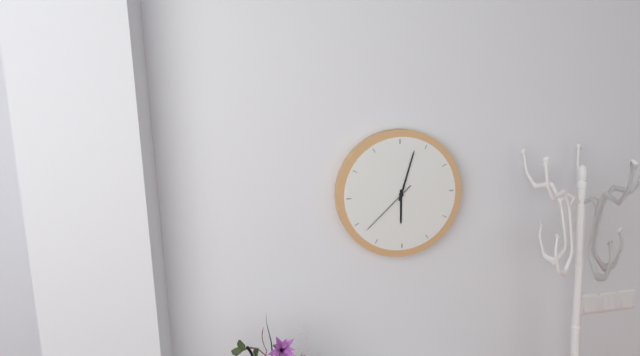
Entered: 6.03.38
